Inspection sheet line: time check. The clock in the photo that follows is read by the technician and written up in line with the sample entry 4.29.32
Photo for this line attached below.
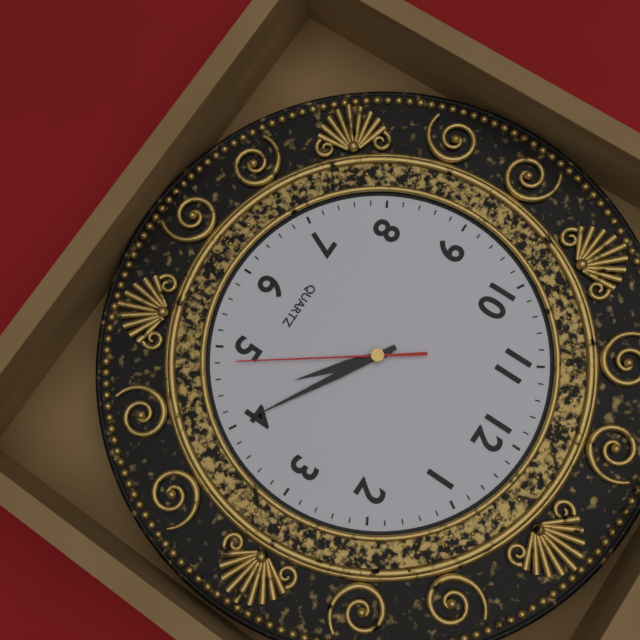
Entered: 4.20.24
